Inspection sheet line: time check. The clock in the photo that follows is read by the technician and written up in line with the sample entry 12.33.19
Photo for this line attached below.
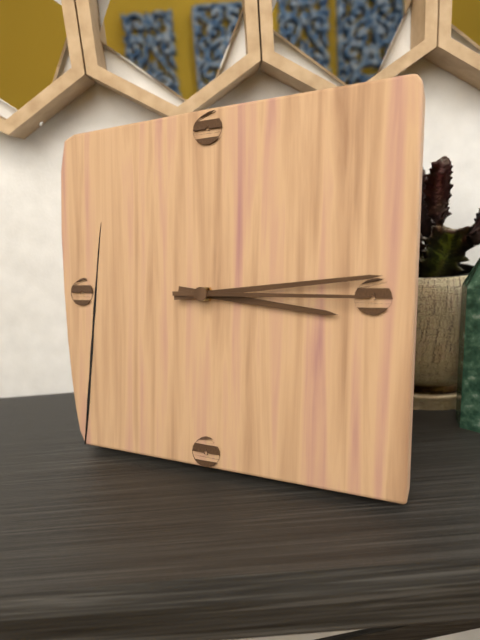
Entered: 3.14.15
